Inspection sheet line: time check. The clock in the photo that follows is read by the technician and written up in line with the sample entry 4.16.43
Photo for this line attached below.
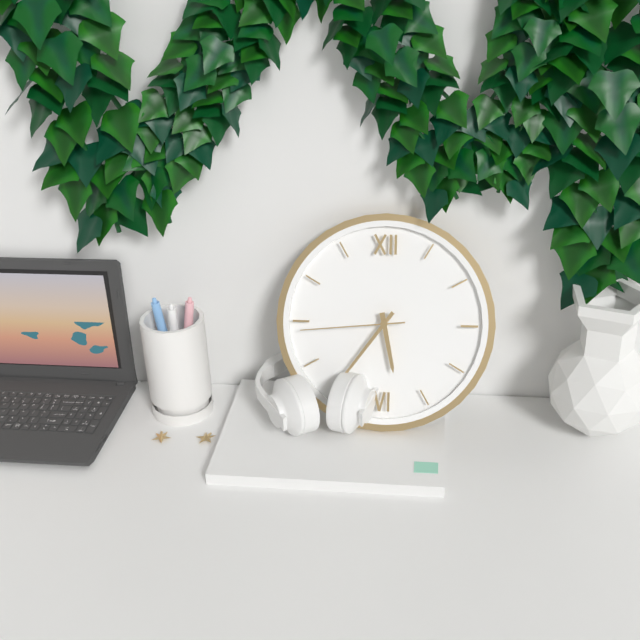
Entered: 5.36.44
